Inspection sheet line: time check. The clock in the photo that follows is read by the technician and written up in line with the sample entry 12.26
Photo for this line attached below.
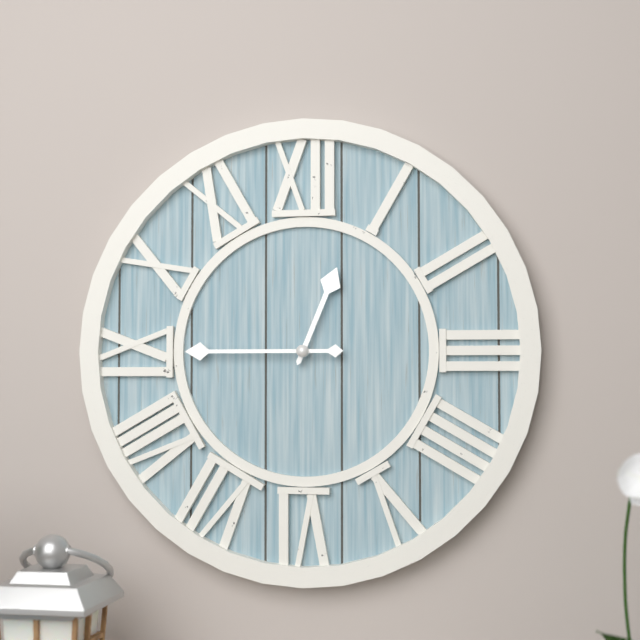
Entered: 12.45
